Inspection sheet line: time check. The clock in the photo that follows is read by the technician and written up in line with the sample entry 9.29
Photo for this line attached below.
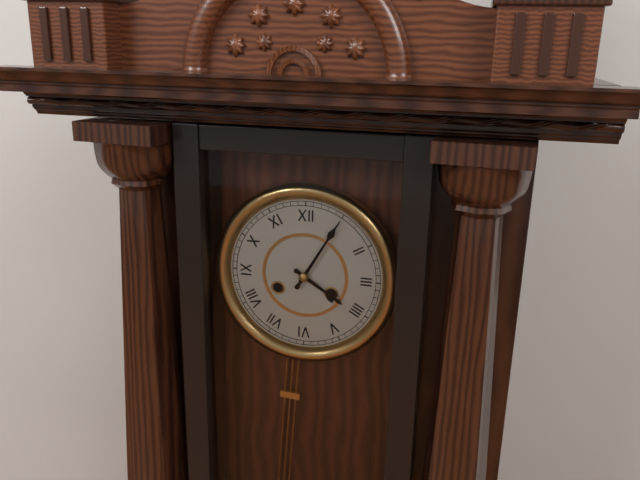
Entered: 4.05
